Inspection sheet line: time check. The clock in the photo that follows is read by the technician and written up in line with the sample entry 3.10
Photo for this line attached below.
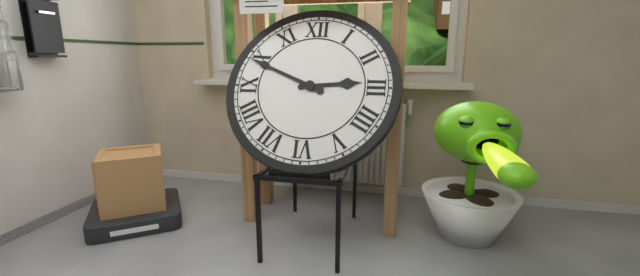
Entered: 2.49
